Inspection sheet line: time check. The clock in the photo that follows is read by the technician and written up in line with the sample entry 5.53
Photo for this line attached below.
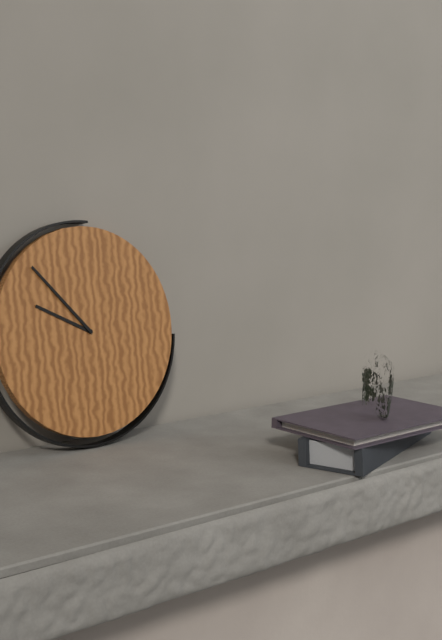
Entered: 9.53
